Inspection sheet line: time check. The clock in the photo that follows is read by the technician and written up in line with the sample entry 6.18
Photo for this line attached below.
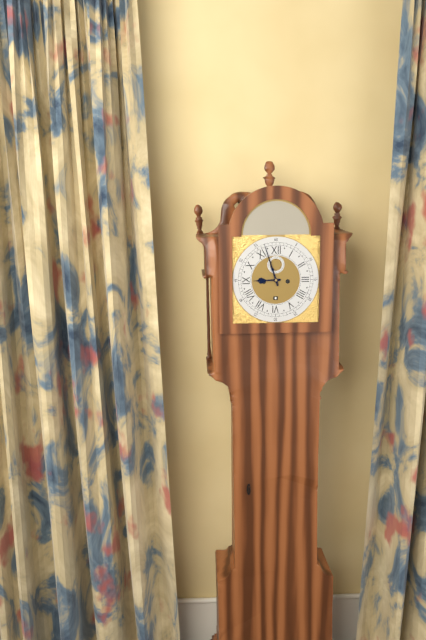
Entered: 8.57
